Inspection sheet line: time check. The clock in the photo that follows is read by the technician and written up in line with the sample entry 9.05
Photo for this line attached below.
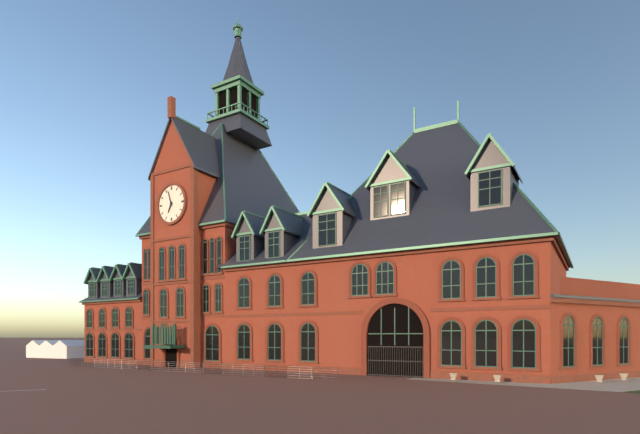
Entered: 6.57
